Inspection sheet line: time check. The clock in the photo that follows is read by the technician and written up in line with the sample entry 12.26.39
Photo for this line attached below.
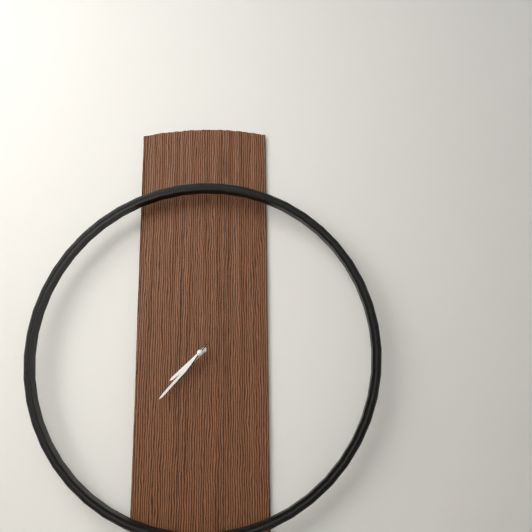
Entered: 7.37.36
